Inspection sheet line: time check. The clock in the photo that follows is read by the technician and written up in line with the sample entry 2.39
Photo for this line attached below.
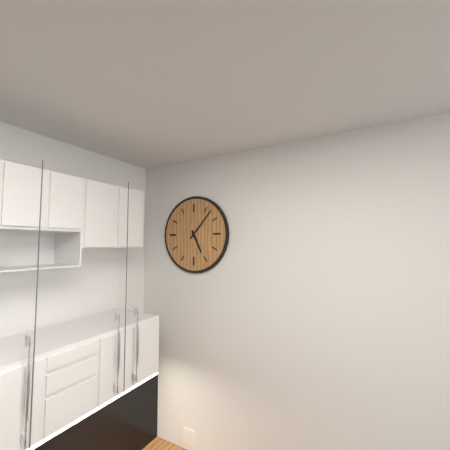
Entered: 5.07
